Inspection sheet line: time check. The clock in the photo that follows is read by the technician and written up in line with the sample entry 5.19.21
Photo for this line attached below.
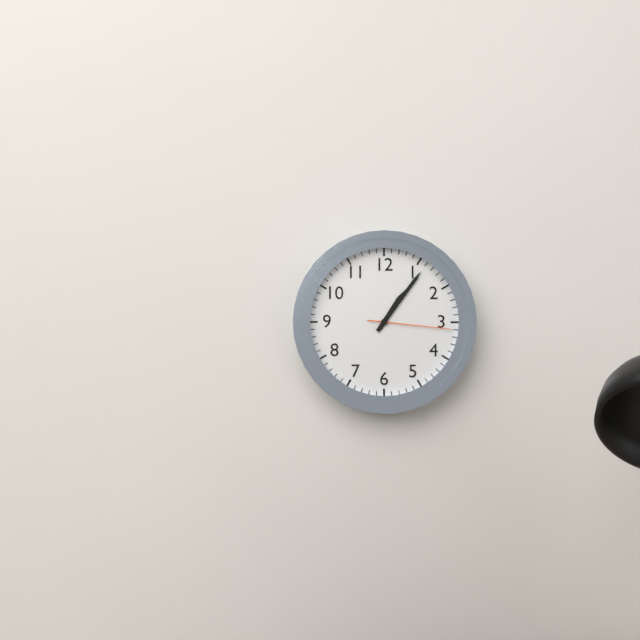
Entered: 1.06.16
